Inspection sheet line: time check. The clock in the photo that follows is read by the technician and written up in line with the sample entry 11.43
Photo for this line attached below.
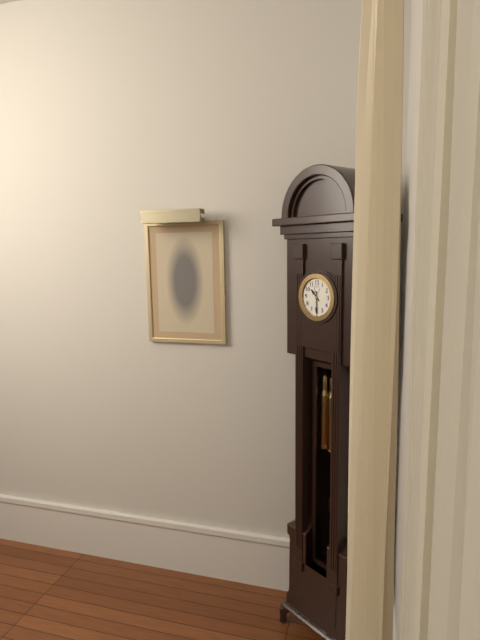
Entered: 10.30
